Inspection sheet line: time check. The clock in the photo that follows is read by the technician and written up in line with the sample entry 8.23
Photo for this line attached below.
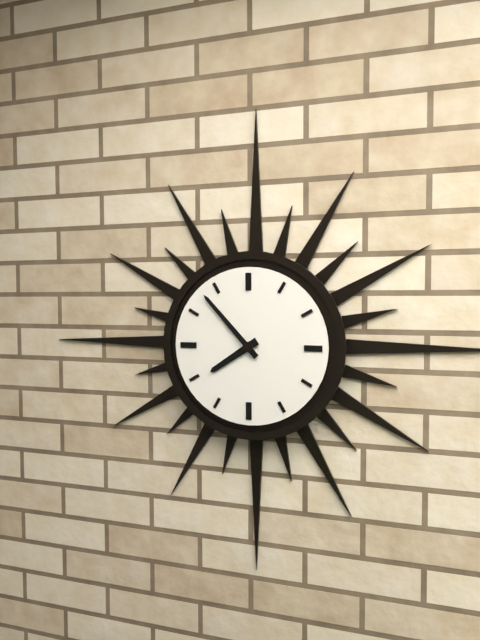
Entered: 7.53
